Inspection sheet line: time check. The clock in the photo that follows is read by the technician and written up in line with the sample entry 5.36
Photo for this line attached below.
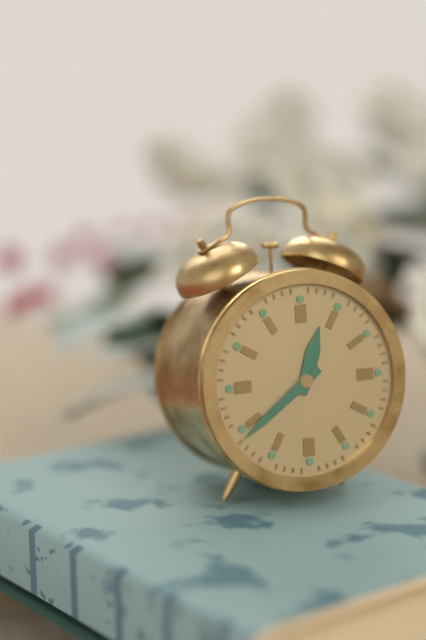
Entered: 12.39
